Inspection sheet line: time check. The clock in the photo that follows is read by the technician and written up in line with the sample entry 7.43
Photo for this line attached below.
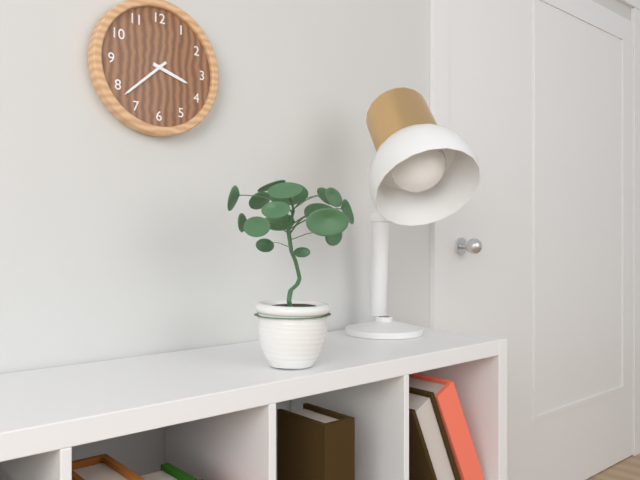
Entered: 3.38
